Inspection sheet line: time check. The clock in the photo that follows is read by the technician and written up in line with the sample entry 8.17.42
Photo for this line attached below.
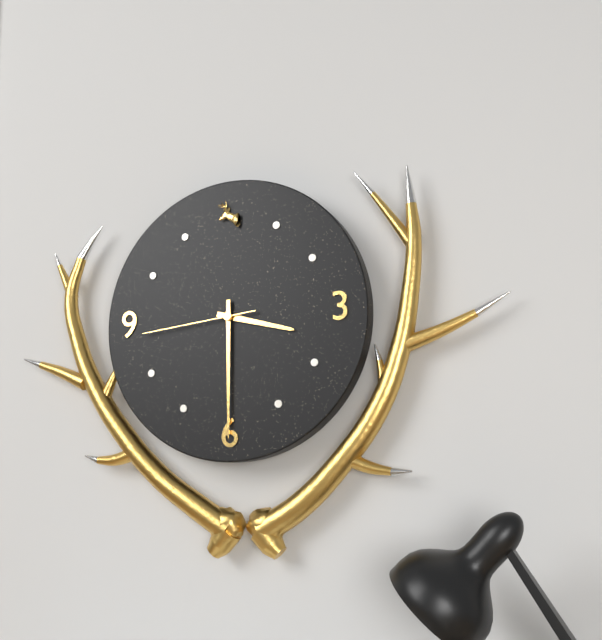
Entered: 3.30.44
